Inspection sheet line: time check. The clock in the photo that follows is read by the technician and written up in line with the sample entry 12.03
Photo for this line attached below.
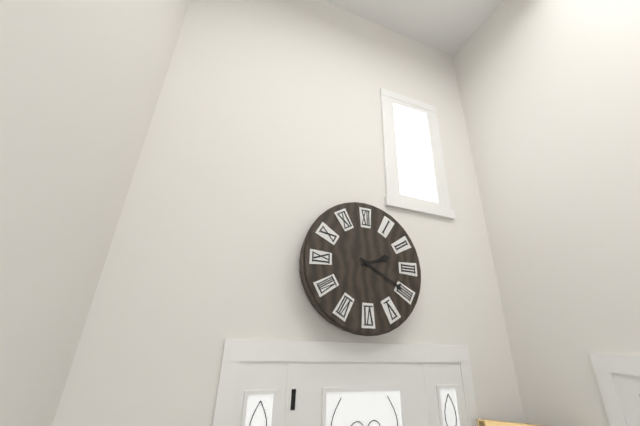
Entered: 2.20
